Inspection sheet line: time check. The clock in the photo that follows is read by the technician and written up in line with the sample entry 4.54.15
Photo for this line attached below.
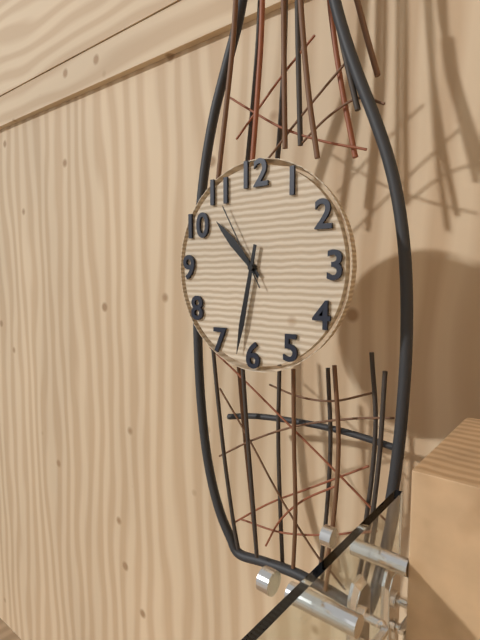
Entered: 10.32.55
